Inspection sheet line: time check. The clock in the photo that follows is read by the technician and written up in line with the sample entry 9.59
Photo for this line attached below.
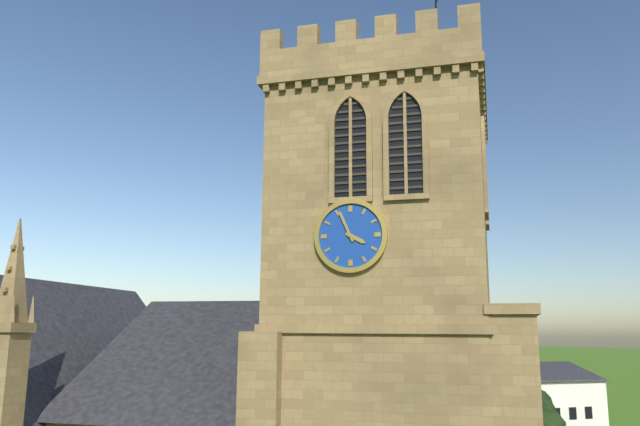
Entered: 3.56
